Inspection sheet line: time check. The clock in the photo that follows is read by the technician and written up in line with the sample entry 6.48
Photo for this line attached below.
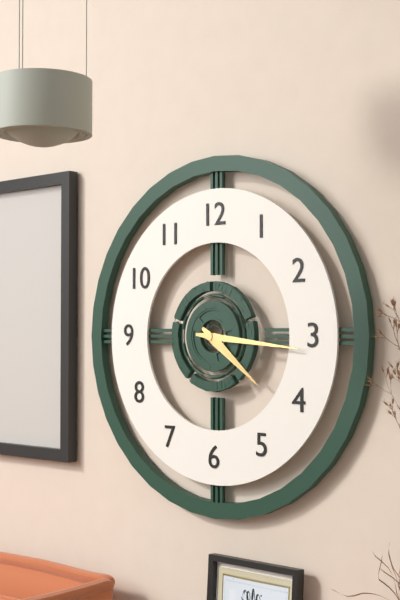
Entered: 4.16
